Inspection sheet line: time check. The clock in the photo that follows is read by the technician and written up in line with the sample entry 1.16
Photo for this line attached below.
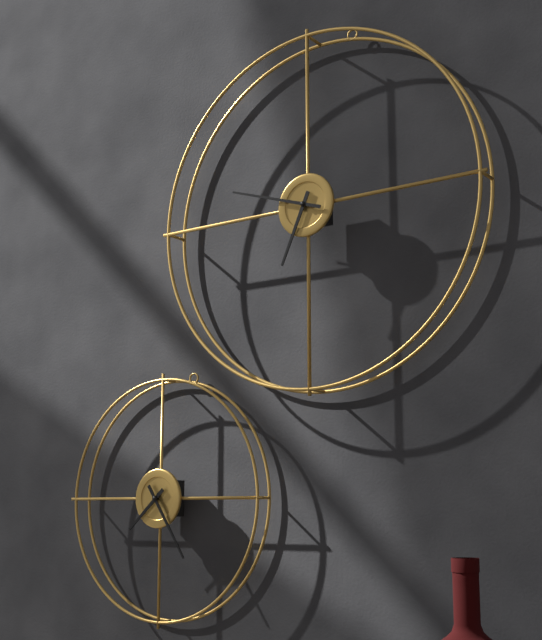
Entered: 6.48
